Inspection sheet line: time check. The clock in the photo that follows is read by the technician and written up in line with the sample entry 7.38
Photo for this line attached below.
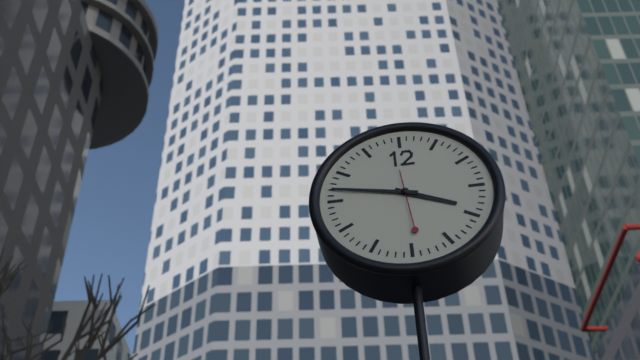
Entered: 3.47
